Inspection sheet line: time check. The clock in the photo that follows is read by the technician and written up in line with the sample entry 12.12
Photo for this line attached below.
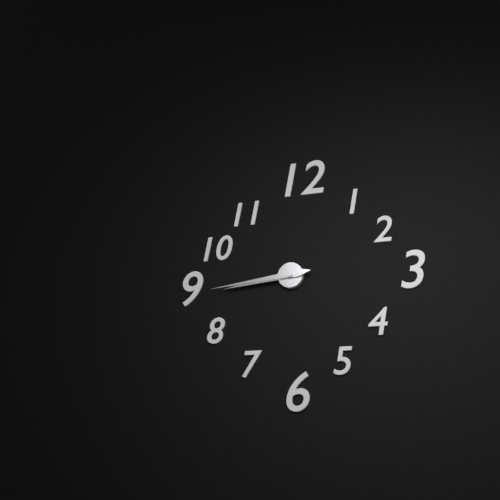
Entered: 8.44
